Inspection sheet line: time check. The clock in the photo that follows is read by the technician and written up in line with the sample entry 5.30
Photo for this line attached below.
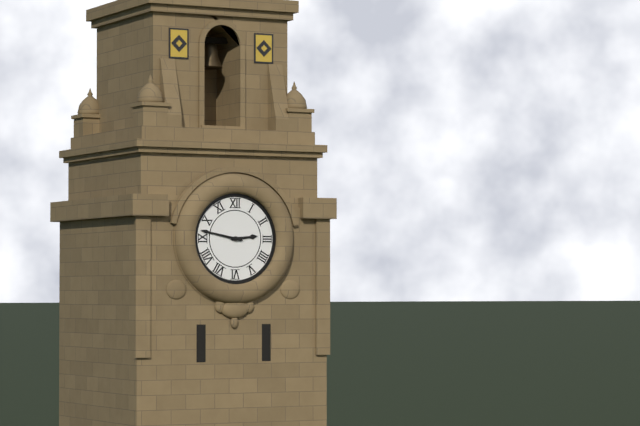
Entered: 2.47
